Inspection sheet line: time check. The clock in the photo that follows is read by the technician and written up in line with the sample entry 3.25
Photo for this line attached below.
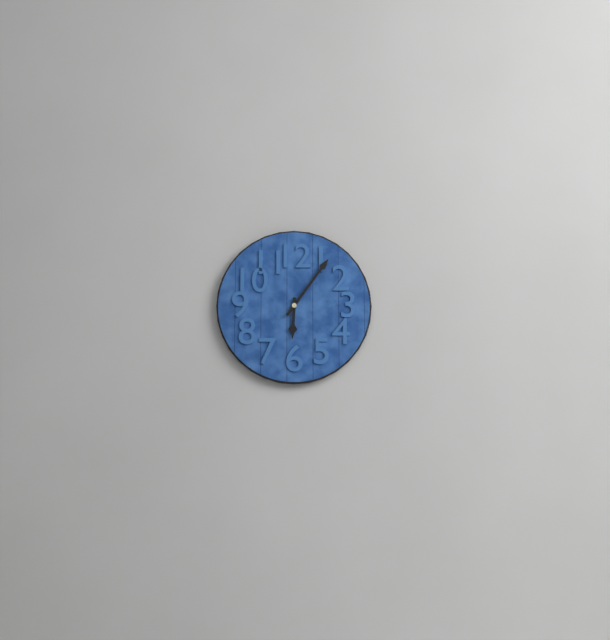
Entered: 6.06
